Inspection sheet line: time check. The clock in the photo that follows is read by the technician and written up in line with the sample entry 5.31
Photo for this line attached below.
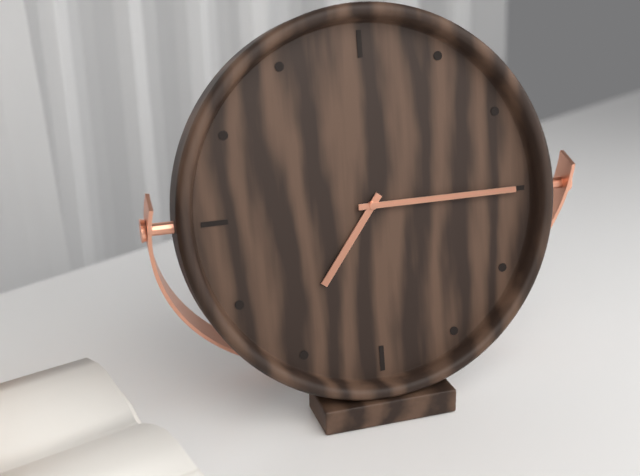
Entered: 7.15
